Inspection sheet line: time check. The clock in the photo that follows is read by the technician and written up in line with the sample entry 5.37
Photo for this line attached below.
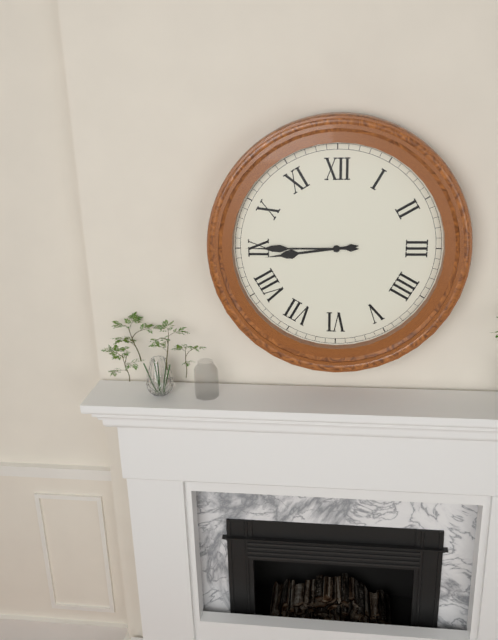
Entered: 8.45
